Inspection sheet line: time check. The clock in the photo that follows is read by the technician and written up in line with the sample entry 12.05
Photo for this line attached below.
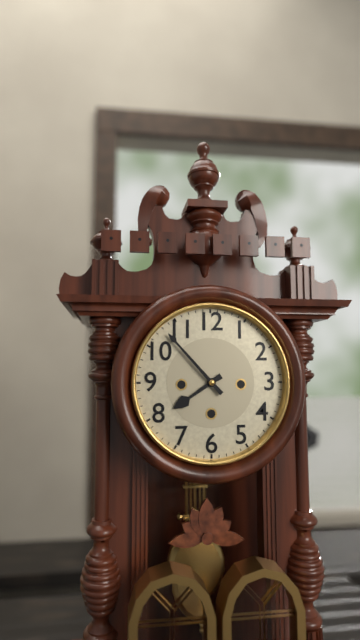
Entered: 7.53
